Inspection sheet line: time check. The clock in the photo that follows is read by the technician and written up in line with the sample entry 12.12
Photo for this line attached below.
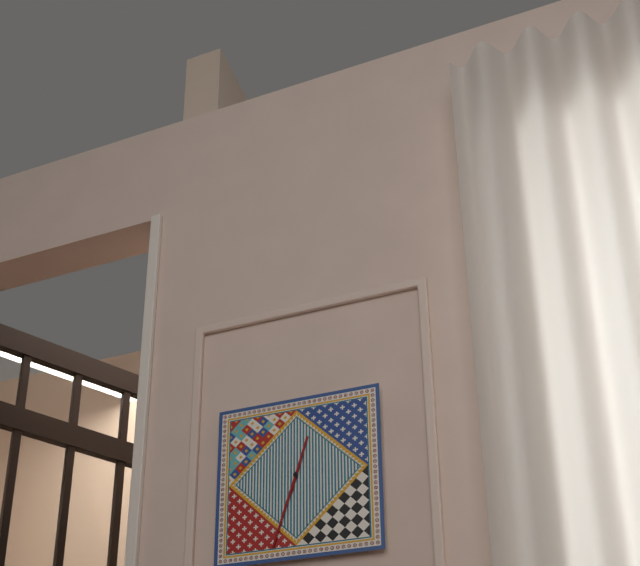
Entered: 12.33
